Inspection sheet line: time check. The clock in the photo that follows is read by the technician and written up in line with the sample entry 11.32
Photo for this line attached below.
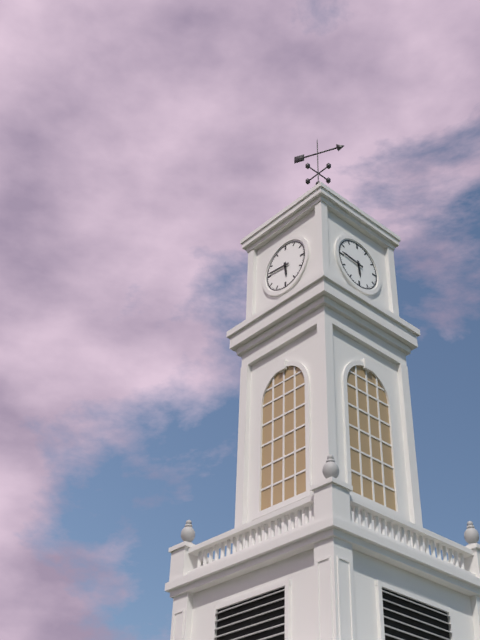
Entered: 5.46
